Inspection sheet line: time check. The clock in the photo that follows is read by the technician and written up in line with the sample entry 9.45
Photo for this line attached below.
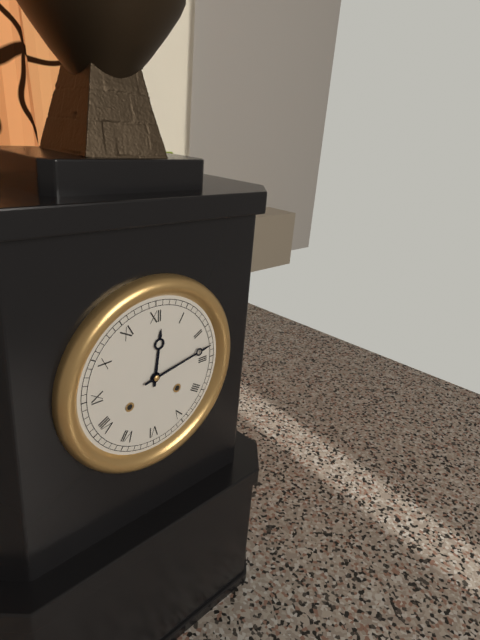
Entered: 12.13
